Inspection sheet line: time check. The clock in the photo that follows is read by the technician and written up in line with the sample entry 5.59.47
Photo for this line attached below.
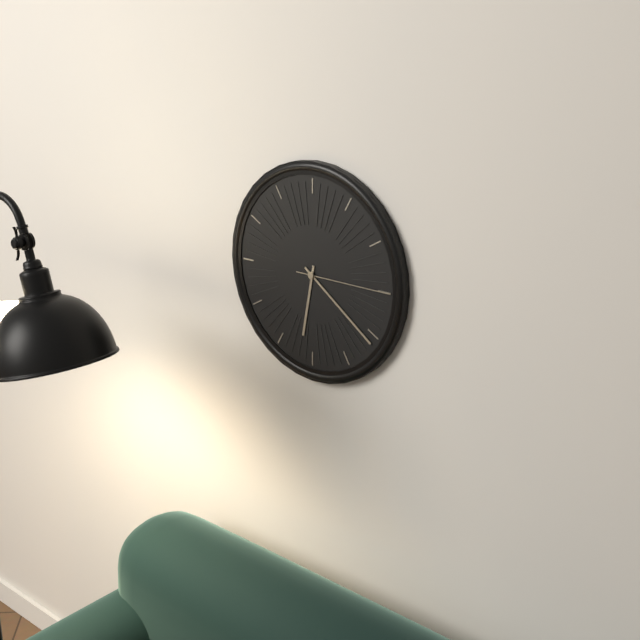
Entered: 6.21.15
